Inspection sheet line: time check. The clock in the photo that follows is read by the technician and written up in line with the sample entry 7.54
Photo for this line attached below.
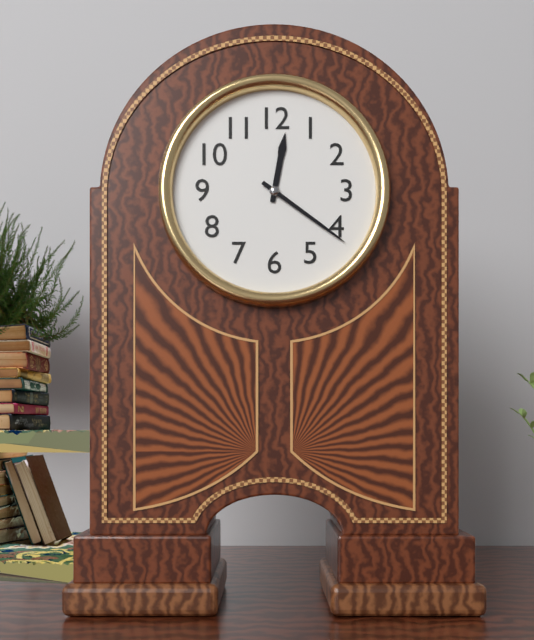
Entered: 12.21
